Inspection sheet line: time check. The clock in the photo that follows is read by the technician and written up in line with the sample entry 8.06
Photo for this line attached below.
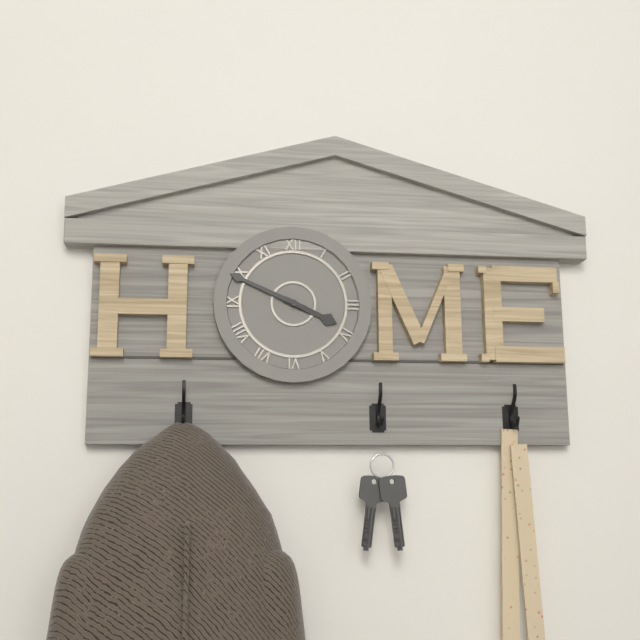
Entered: 3.49
